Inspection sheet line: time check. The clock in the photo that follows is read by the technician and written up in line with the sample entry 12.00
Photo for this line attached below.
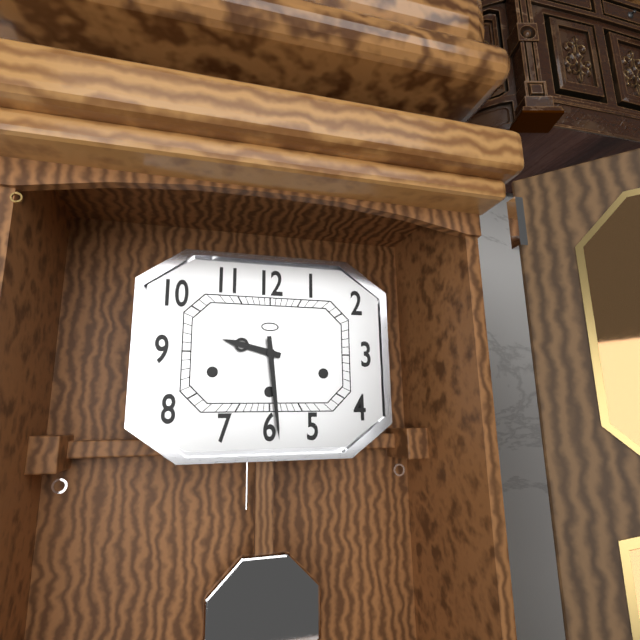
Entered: 9.29
